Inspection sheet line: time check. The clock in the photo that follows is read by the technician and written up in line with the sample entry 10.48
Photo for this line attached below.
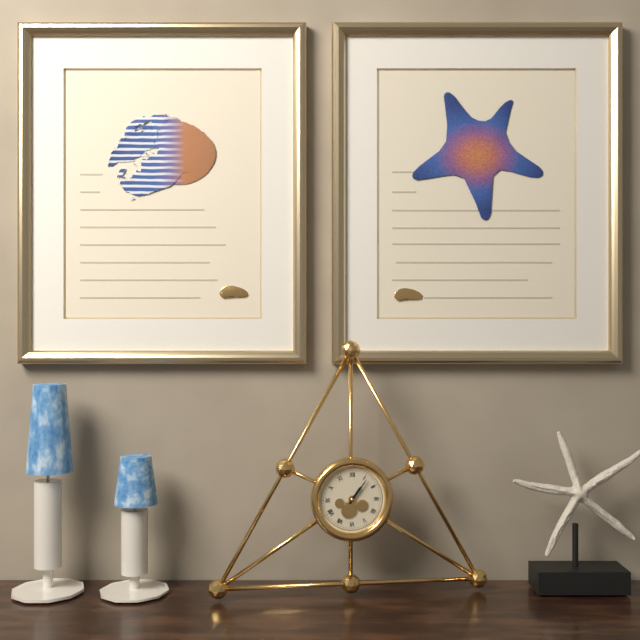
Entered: 1.06
